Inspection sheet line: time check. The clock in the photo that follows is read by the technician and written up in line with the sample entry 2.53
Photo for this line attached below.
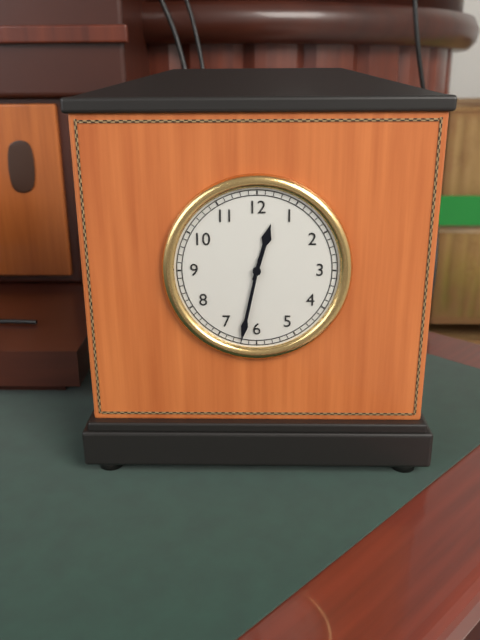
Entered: 12.32
